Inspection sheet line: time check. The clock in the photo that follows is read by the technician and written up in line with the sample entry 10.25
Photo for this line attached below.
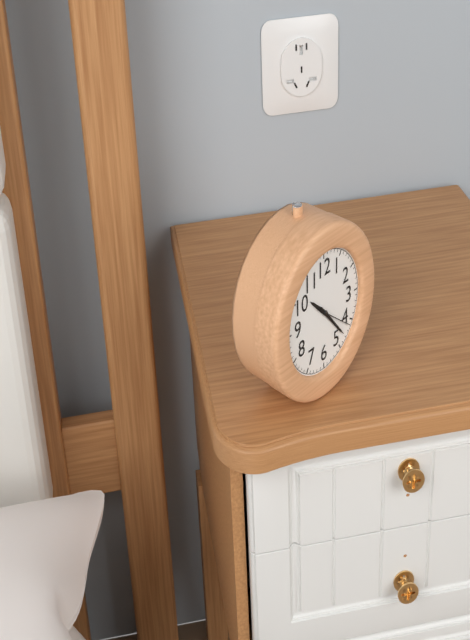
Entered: 10.23
